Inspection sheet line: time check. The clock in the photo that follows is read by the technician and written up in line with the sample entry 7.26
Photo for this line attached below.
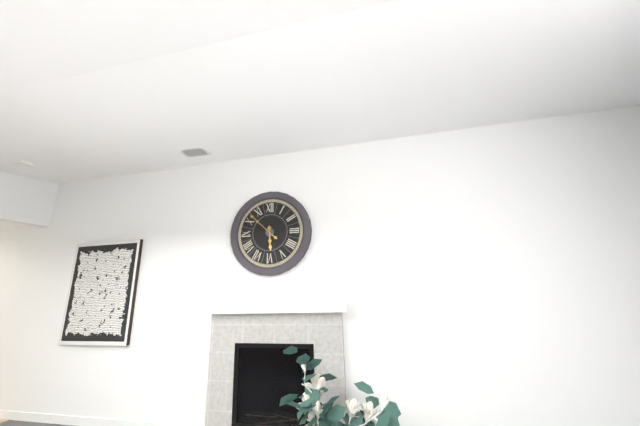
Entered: 5.52
